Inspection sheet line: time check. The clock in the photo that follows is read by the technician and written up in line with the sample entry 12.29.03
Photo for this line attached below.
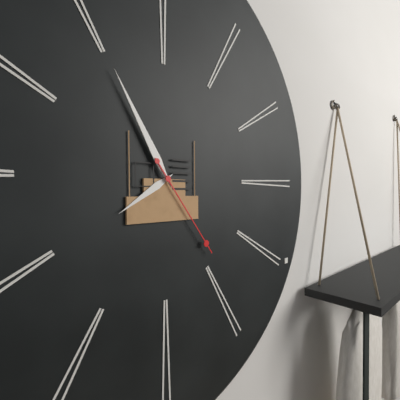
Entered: 7.55.24
